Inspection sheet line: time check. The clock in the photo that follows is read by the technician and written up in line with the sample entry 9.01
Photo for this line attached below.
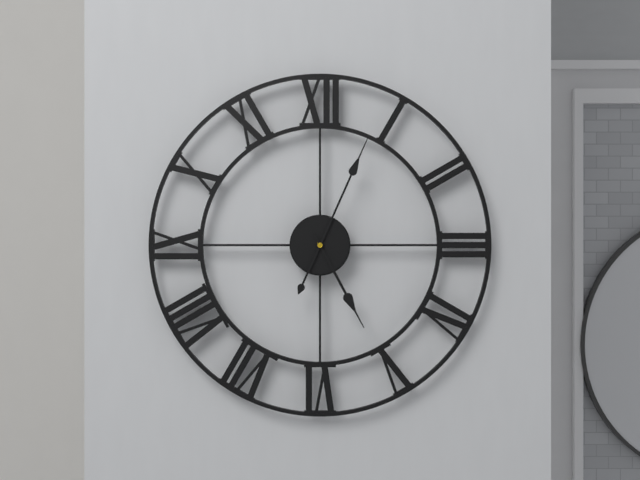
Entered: 5.04
